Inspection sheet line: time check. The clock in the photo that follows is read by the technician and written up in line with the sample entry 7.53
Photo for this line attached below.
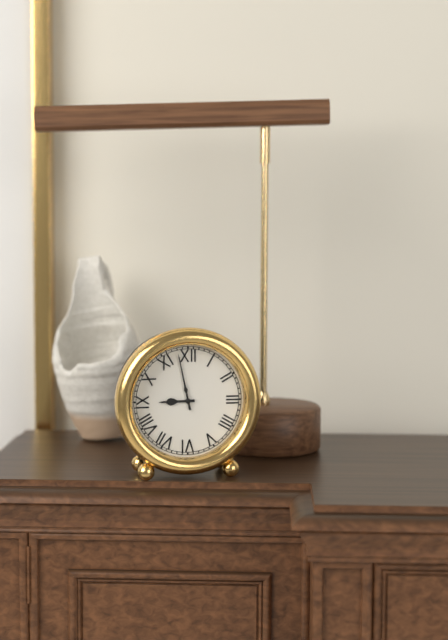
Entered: 8.58
